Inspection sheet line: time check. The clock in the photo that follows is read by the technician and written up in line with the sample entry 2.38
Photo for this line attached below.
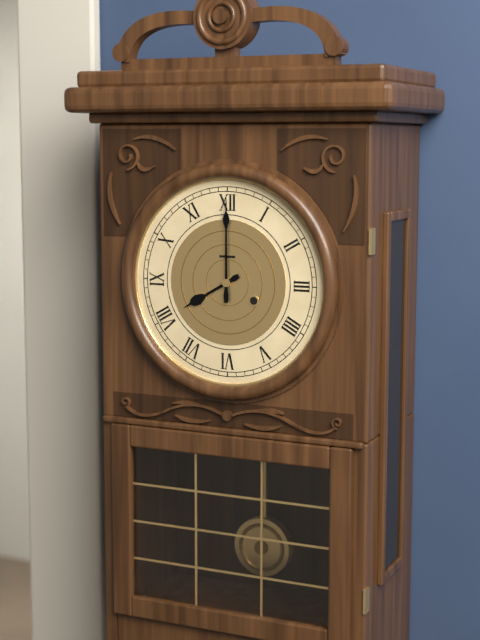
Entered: 8.00
